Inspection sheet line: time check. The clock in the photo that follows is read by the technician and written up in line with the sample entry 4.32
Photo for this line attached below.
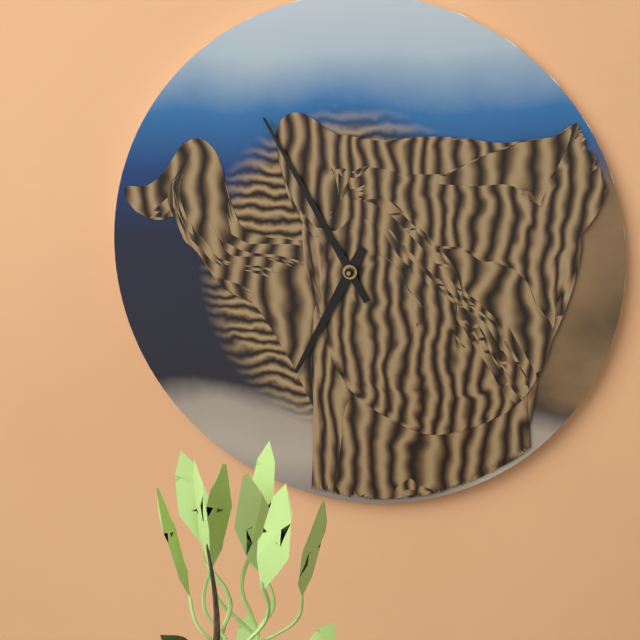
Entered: 6.55
